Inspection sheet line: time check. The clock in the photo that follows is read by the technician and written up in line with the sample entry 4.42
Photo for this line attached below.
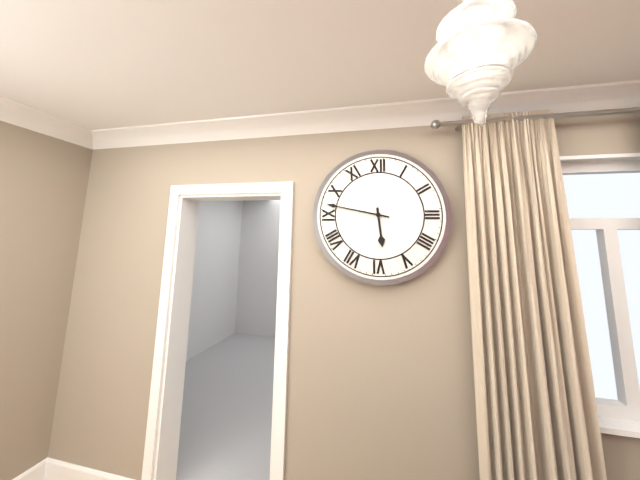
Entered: 5.47
